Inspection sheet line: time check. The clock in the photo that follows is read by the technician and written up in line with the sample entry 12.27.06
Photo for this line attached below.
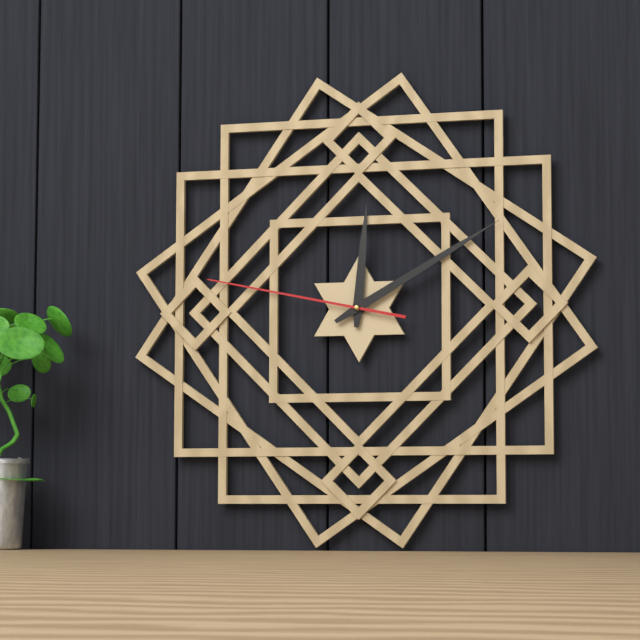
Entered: 12.10.47
